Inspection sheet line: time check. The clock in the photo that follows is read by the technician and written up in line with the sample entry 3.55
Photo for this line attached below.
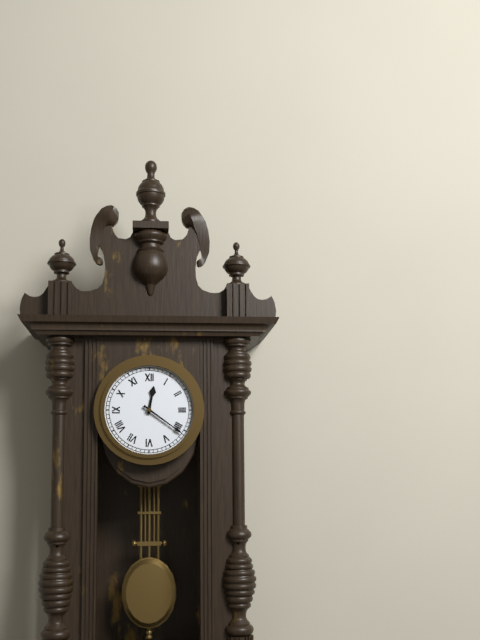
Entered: 12.21
